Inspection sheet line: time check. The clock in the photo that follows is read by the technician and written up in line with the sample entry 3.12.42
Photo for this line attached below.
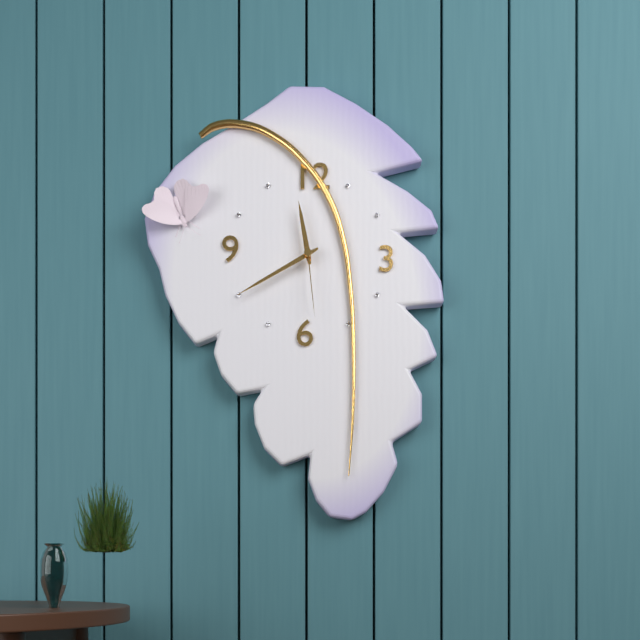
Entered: 11.40.29
